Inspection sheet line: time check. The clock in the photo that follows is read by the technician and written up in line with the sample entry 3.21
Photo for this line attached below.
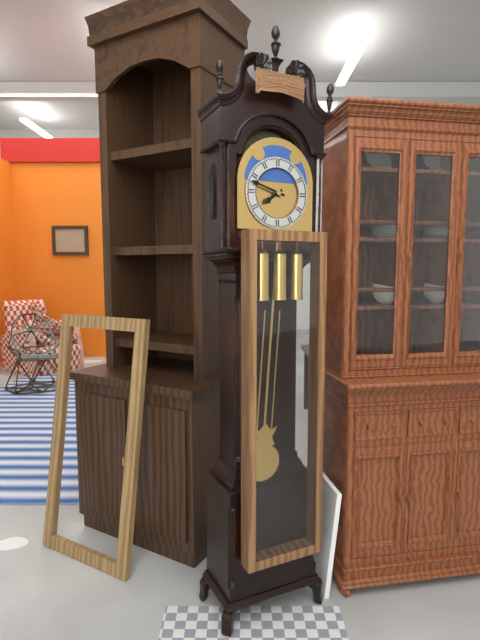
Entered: 7.48
